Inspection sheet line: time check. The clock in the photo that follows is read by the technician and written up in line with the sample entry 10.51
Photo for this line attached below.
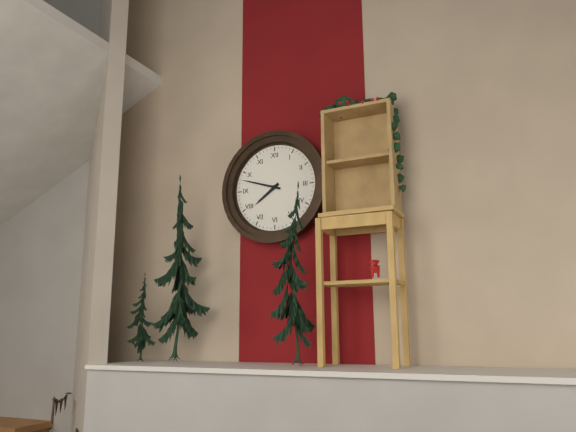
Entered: 7.48
